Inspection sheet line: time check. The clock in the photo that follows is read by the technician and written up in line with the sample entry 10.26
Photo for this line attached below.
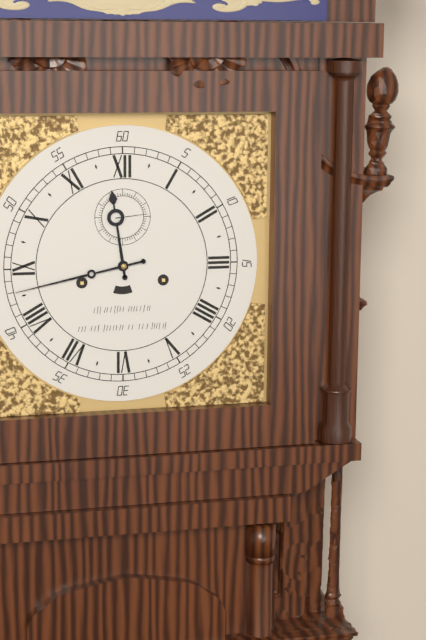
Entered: 11.43
